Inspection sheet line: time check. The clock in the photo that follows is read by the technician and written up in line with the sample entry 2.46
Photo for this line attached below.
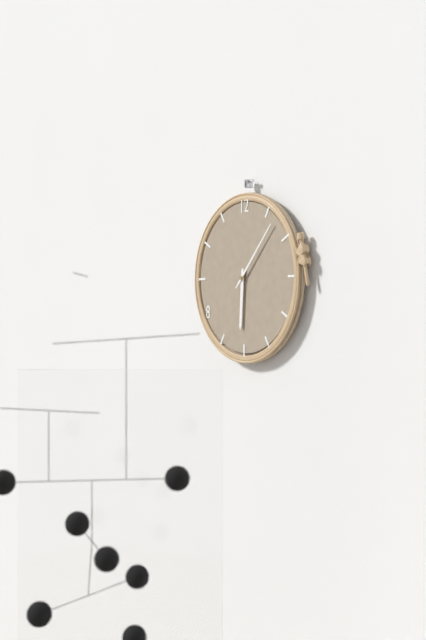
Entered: 6.07
